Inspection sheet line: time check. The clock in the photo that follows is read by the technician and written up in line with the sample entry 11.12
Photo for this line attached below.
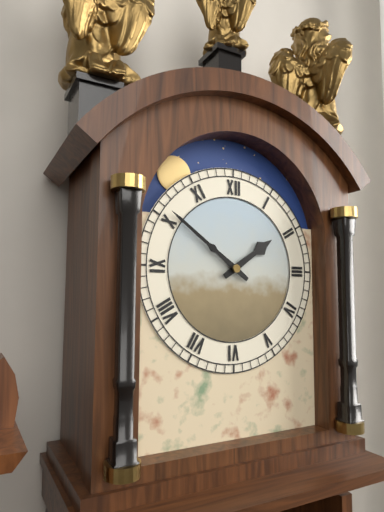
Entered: 1.51
